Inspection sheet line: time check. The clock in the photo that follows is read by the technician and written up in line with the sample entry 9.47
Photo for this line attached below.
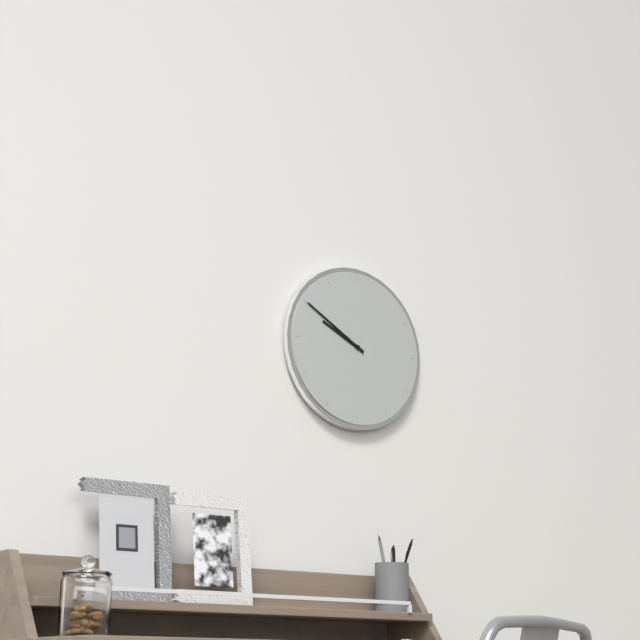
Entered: 9.50
